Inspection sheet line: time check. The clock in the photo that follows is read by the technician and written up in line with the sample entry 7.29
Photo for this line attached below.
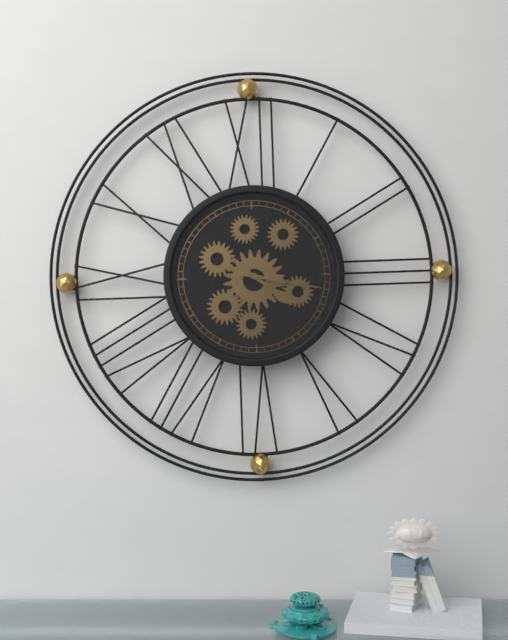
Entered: 4.17
